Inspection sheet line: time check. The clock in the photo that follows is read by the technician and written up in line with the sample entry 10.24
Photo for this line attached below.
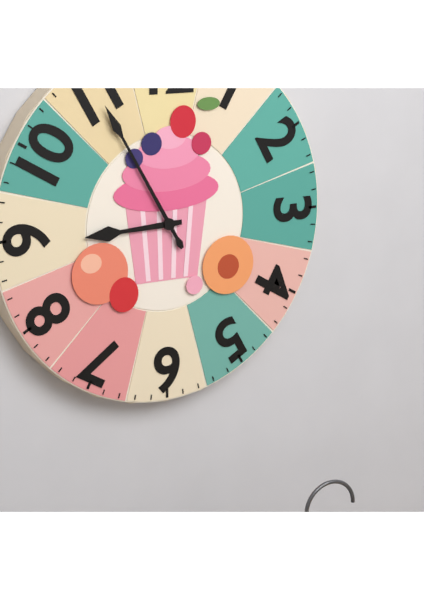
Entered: 8.55
